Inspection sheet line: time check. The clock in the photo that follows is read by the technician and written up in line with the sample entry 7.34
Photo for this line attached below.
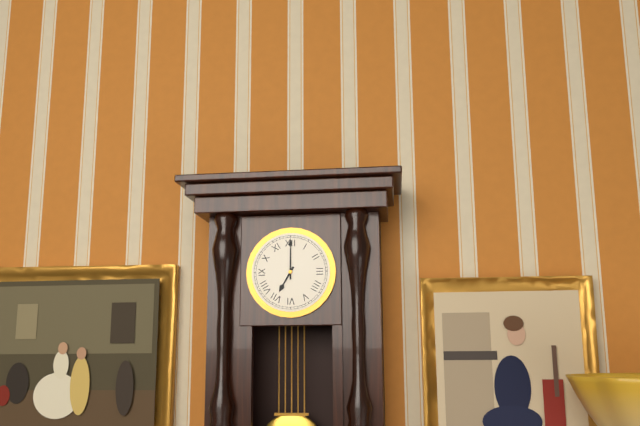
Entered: 7.00
